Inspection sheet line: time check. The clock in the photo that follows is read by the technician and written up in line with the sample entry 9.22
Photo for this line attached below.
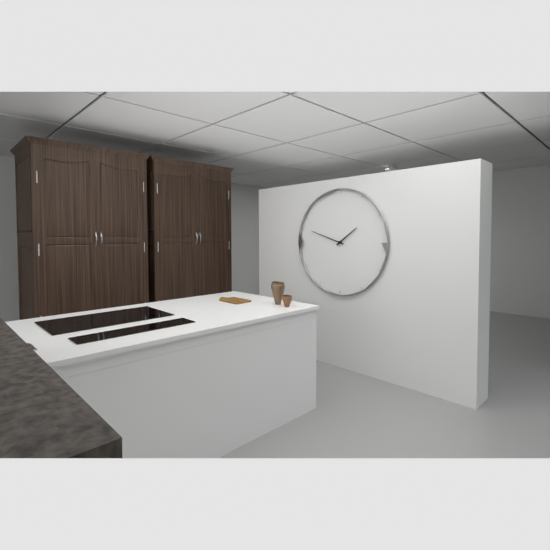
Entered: 1.48
